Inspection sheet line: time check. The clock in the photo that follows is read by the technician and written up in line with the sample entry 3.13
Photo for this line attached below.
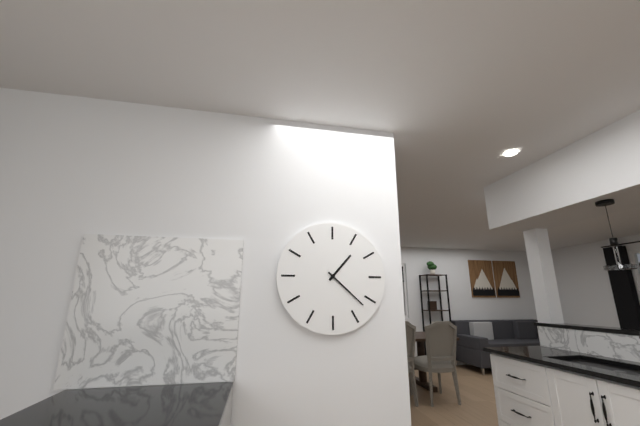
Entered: 1.22
